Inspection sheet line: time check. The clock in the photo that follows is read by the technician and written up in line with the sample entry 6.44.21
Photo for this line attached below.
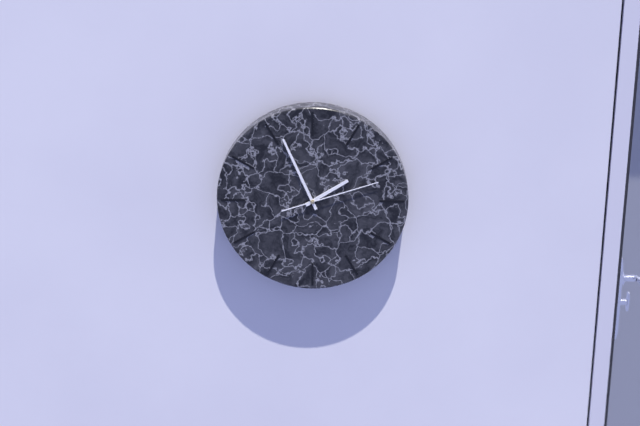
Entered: 1.56.12
